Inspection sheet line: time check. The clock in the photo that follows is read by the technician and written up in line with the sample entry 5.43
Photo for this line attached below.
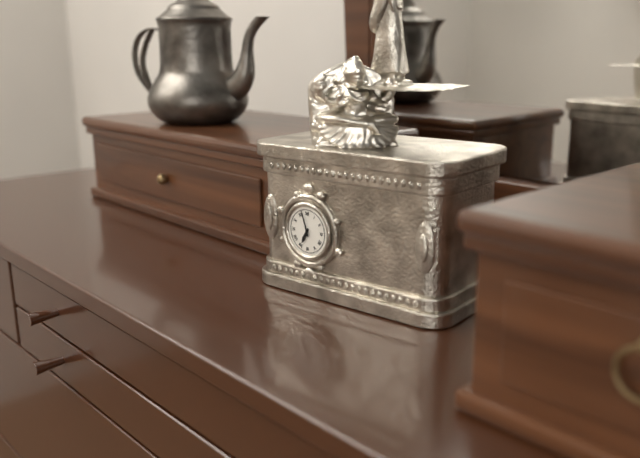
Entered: 6.57
